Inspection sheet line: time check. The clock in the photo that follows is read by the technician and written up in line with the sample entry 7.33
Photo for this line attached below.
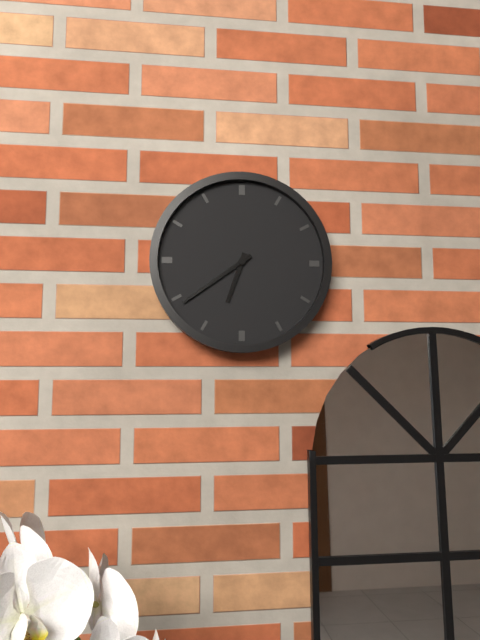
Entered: 6.39
